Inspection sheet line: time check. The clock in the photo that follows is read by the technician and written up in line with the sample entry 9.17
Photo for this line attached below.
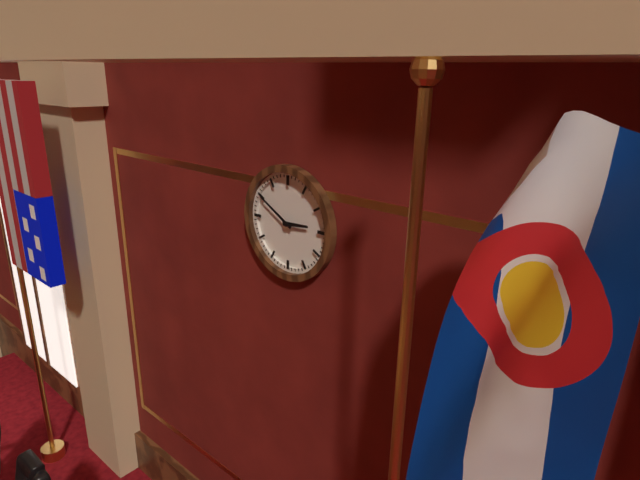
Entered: 2.50
